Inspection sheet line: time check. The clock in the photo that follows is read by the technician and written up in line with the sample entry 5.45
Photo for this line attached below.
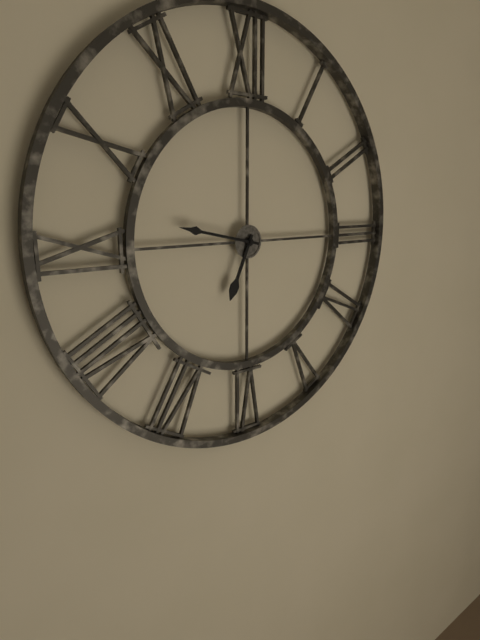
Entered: 6.47
